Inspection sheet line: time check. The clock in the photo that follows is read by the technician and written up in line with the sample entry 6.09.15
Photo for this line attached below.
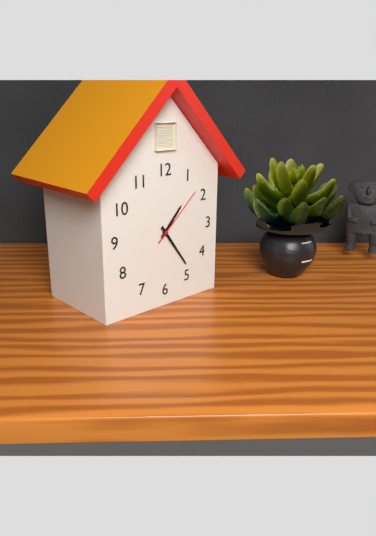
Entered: 1.24.08
